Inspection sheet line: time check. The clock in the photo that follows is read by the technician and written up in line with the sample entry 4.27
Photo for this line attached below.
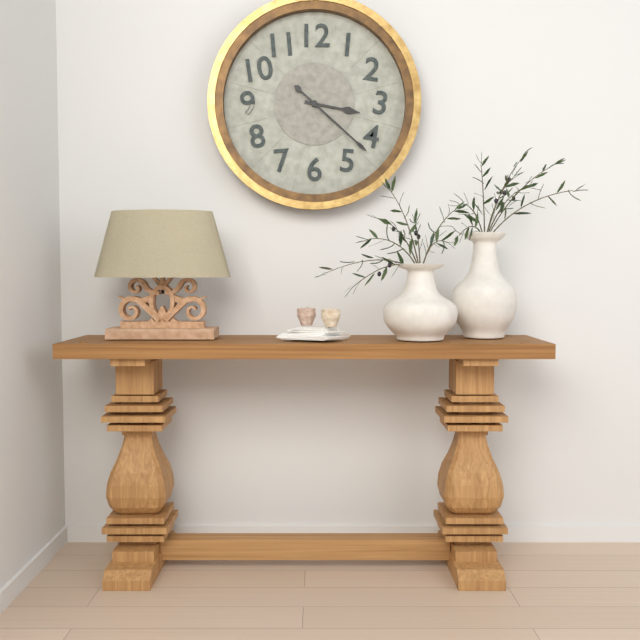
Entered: 3.22
